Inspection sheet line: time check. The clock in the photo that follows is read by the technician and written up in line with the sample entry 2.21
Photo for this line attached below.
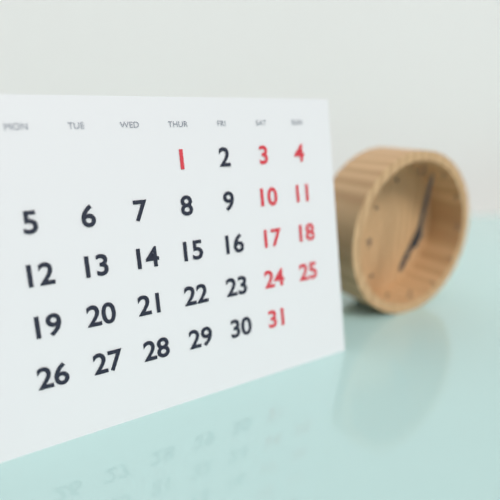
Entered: 7.02
